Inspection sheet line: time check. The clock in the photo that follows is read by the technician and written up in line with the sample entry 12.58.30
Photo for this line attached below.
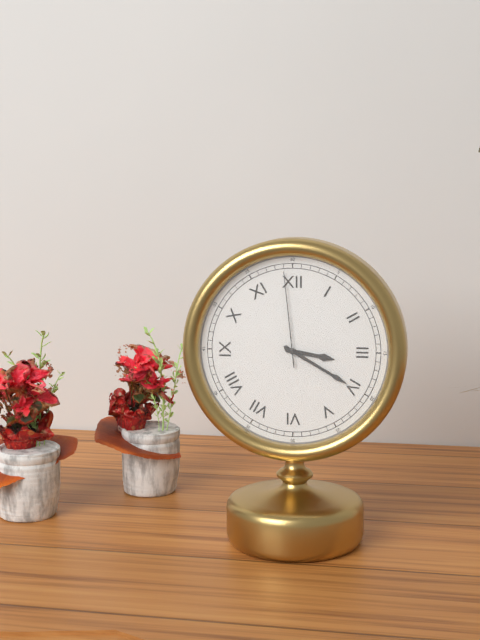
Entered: 3.20.59
